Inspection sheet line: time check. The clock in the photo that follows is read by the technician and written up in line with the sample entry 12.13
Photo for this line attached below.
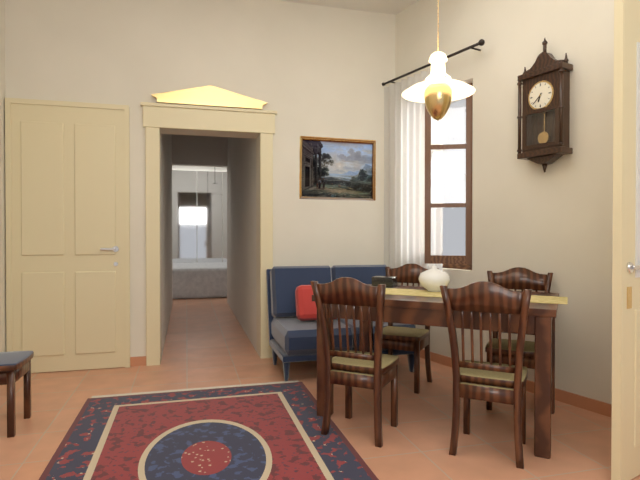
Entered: 6.38
